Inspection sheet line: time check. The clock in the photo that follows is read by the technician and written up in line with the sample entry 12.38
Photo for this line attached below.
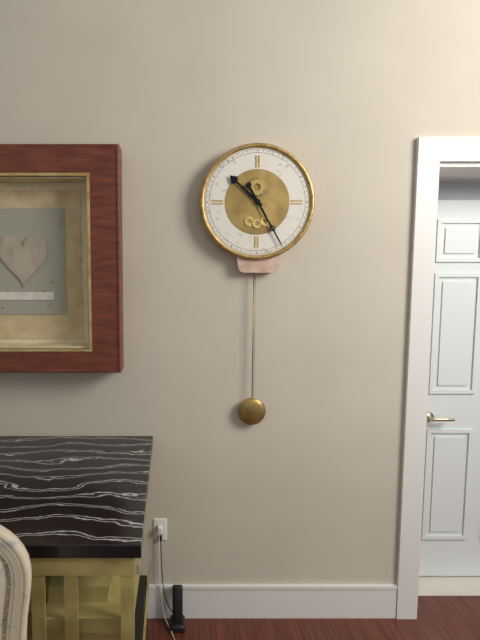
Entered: 10.25
